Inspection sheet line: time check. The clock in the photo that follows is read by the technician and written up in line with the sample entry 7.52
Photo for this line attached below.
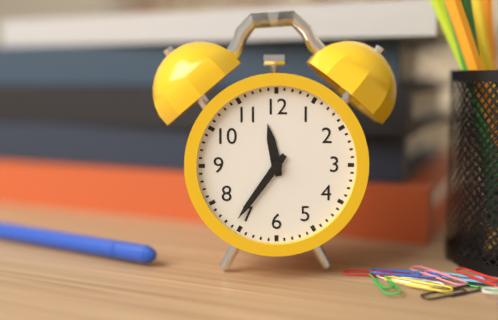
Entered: 11.36
